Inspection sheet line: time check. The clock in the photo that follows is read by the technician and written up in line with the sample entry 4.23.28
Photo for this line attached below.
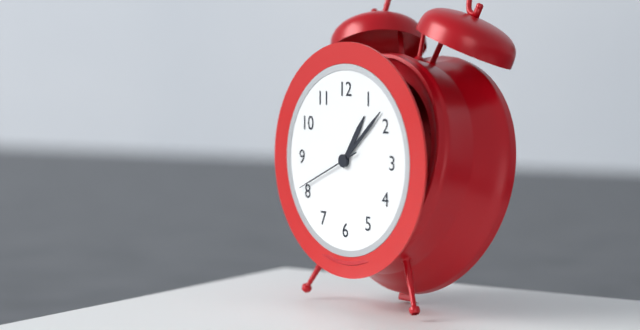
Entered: 1.08.41
